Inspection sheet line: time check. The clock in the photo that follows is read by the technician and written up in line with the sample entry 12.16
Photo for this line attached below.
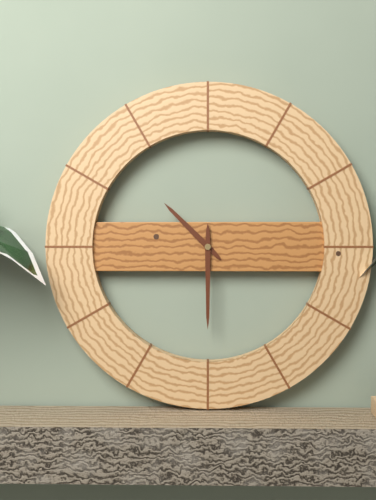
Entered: 10.30
